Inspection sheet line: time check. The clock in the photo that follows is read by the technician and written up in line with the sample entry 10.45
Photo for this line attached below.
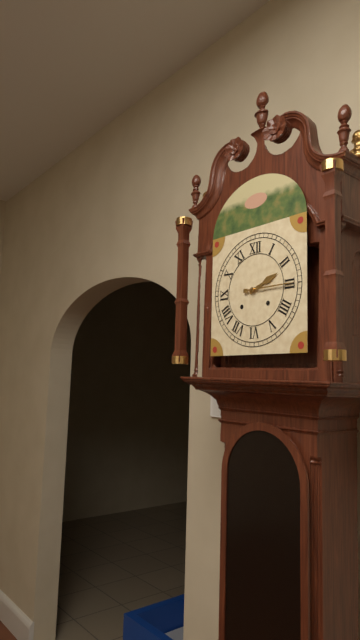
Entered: 2.15
